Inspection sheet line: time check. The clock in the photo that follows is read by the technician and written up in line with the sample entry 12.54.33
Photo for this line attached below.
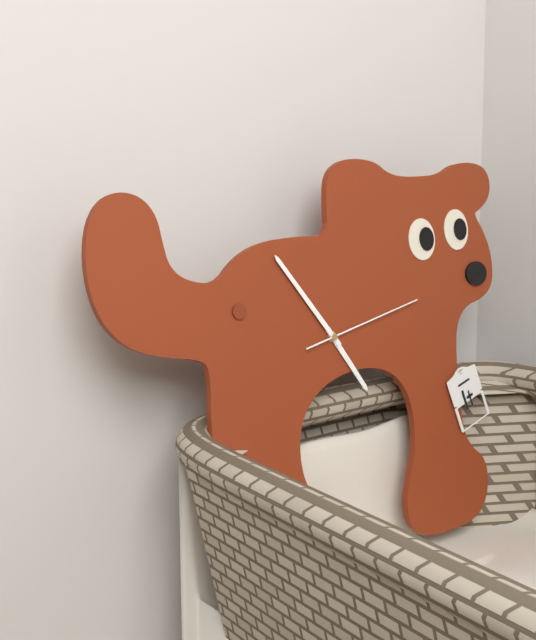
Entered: 4.54.13
